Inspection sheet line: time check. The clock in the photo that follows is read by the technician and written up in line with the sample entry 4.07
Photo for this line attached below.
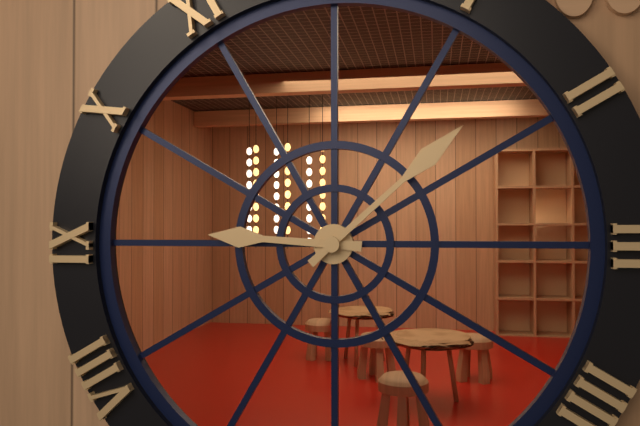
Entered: 9.08
